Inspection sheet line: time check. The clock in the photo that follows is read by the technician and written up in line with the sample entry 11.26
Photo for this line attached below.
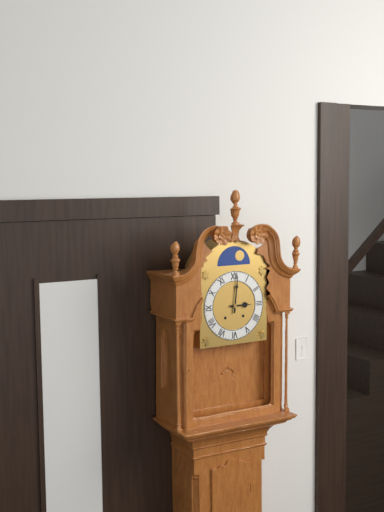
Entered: 3.01
